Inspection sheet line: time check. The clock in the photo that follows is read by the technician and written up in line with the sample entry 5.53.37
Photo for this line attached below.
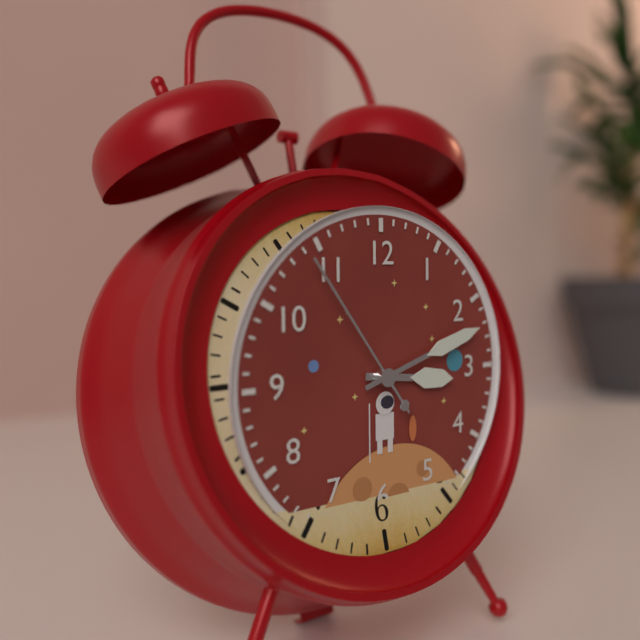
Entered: 3.12.54
